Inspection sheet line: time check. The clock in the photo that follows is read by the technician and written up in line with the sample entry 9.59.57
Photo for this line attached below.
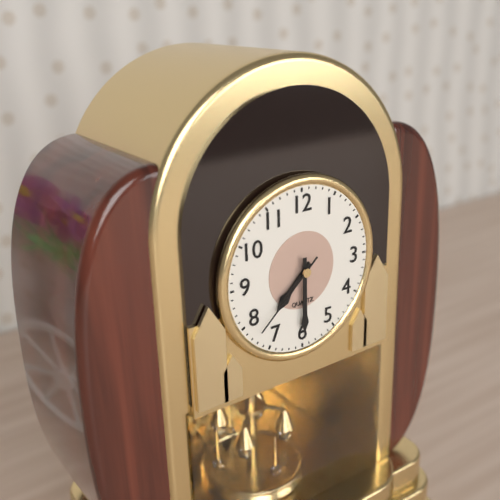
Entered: 7.30.38
